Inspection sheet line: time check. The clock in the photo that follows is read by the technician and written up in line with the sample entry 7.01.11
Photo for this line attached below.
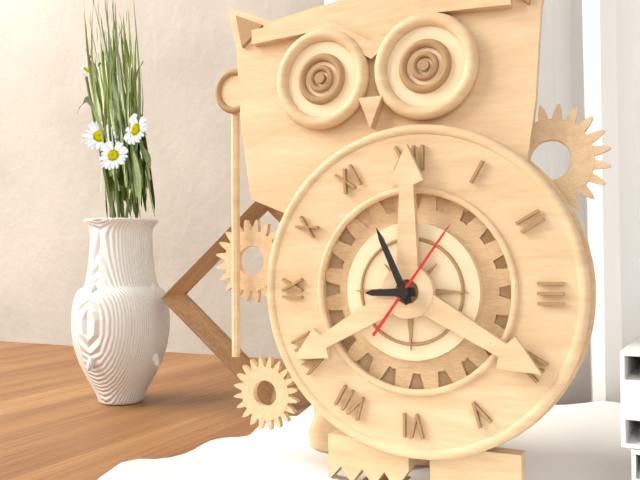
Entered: 8.56.06
